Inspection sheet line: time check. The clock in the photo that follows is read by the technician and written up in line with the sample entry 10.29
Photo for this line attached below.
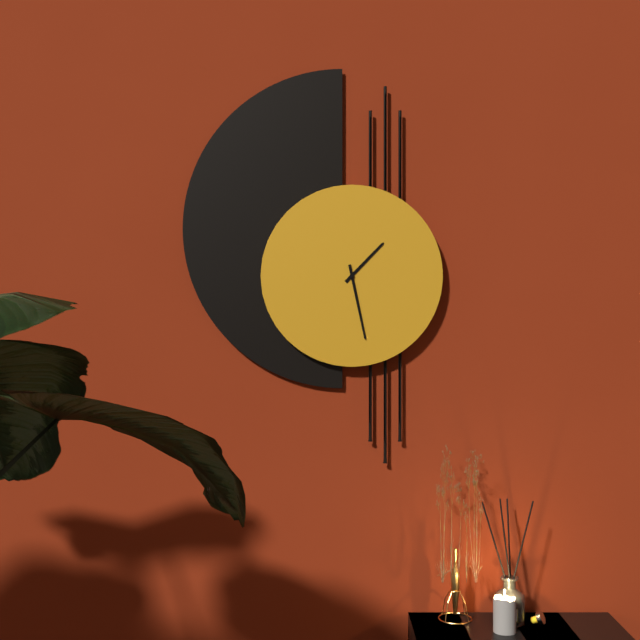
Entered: 1.28
